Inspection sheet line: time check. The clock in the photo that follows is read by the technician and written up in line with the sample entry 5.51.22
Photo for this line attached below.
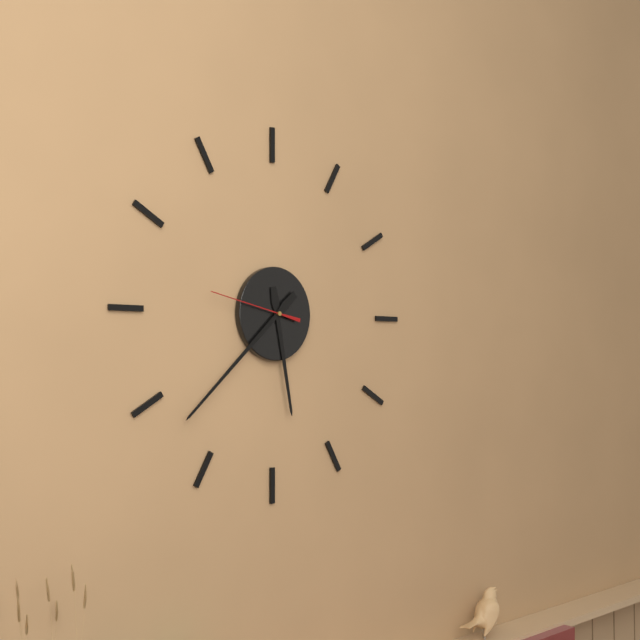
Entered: 5.38.47
